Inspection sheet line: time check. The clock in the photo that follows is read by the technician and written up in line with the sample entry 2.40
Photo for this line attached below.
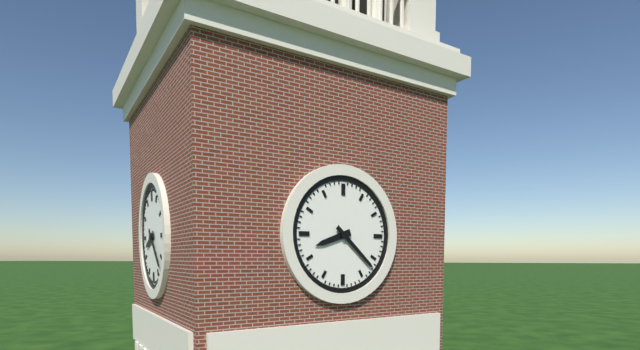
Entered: 8.22
